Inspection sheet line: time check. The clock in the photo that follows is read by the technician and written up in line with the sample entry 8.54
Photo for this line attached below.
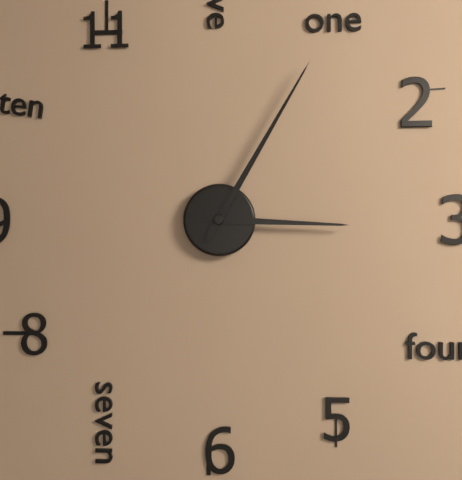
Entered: 3.05
